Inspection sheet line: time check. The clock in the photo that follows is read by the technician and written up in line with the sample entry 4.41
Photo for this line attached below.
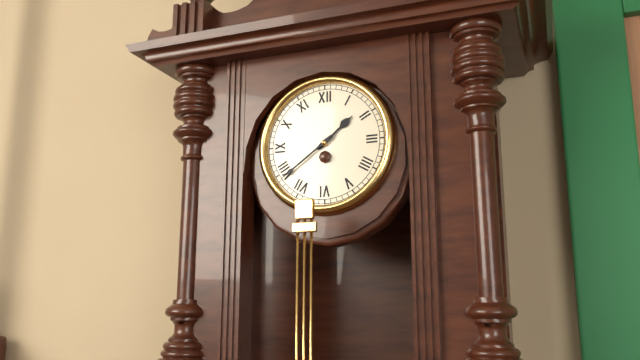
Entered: 1.39
